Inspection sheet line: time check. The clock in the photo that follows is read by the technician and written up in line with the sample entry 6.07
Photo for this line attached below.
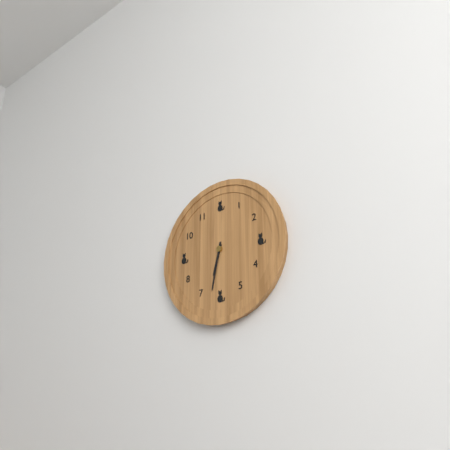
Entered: 6.32
